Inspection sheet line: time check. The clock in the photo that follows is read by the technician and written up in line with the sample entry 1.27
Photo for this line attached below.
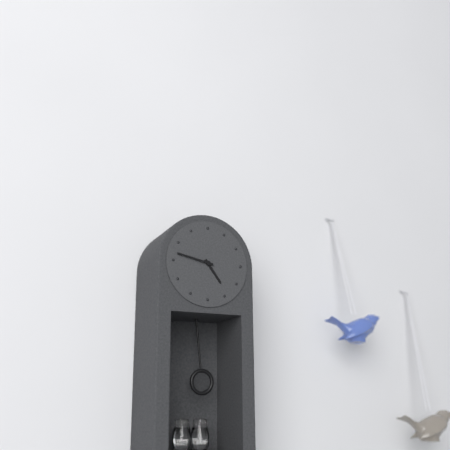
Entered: 4.47
